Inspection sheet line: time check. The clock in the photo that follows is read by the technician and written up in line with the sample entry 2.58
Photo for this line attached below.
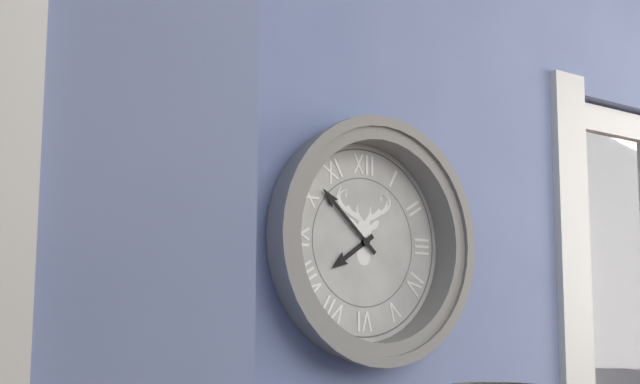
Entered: 7.52
